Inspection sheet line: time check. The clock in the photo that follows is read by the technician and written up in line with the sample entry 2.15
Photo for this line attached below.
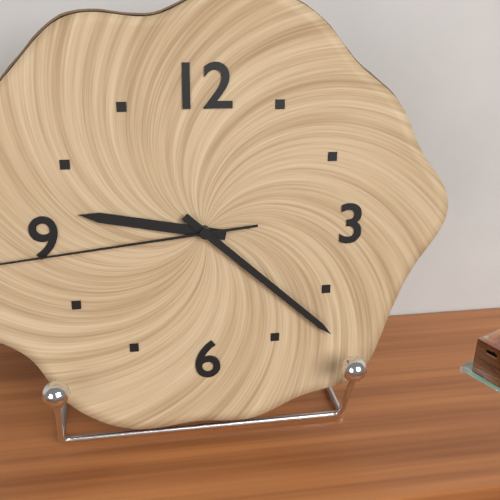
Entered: 9.22
